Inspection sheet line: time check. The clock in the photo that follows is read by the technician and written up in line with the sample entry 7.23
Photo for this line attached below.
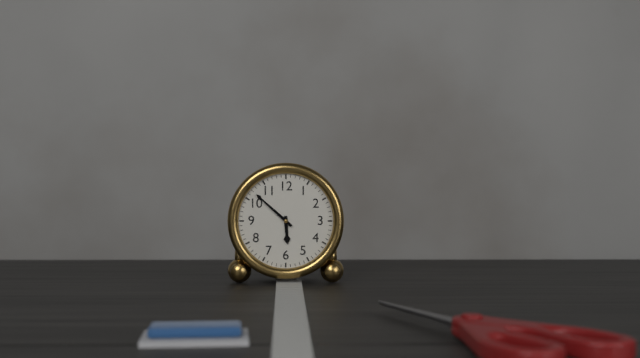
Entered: 5.52
